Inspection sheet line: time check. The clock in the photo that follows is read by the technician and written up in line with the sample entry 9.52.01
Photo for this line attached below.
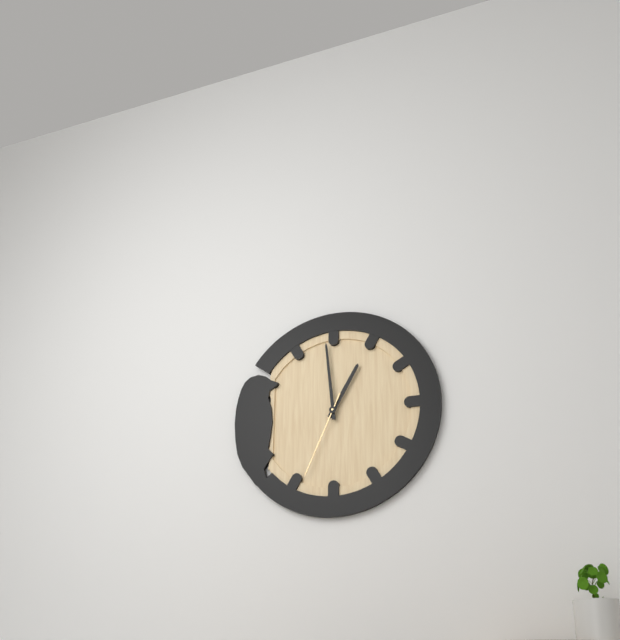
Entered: 12.59.34
